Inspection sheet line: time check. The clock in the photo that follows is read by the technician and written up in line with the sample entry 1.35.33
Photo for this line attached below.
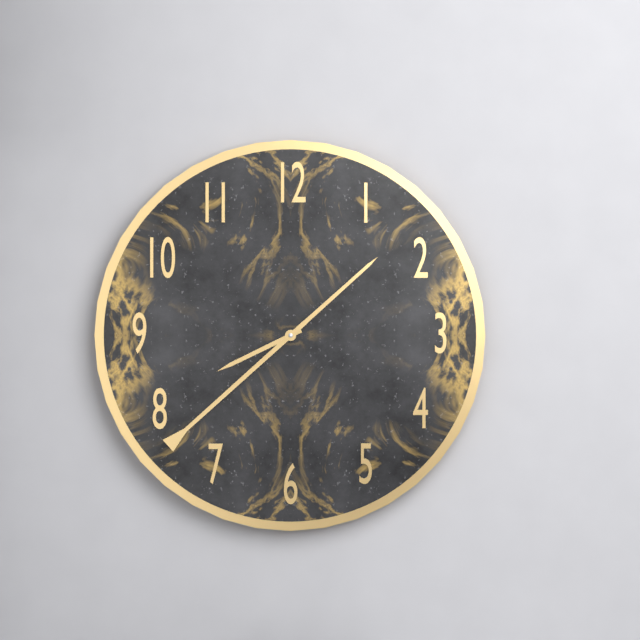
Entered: 8.08.38
